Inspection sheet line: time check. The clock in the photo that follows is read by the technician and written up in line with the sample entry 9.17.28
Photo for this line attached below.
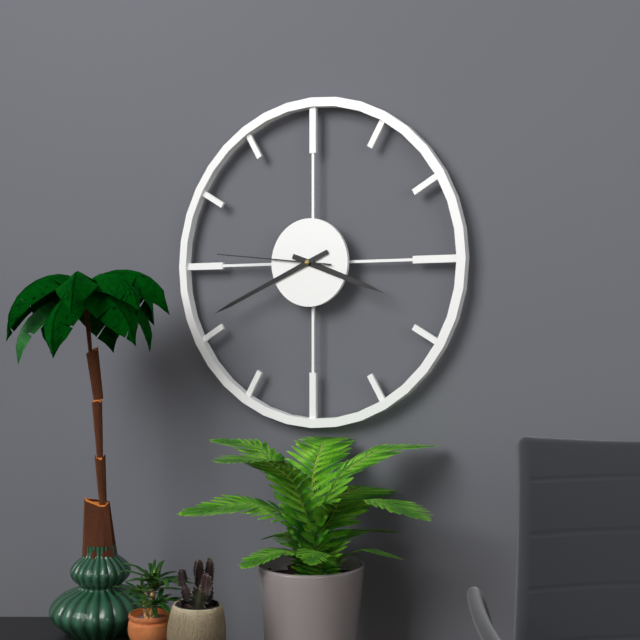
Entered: 3.41.46
